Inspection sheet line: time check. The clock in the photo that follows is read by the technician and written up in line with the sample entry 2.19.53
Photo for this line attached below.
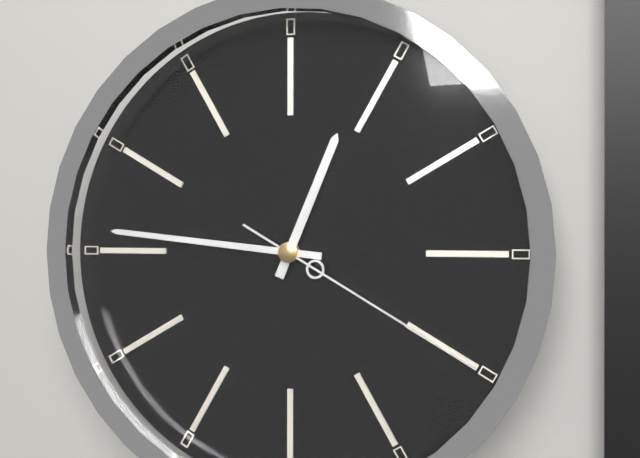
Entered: 12.46.20
